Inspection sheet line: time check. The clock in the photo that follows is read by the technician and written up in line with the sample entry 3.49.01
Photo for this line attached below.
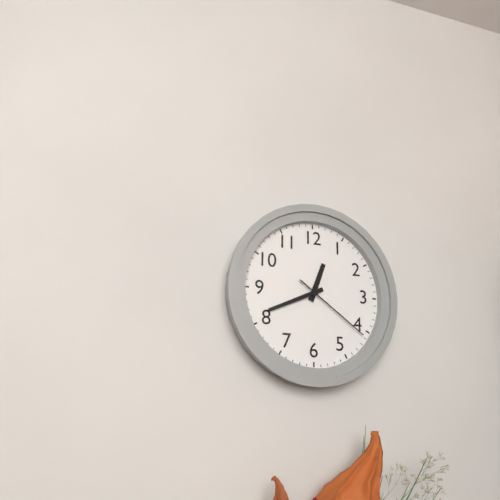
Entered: 12.41.21
